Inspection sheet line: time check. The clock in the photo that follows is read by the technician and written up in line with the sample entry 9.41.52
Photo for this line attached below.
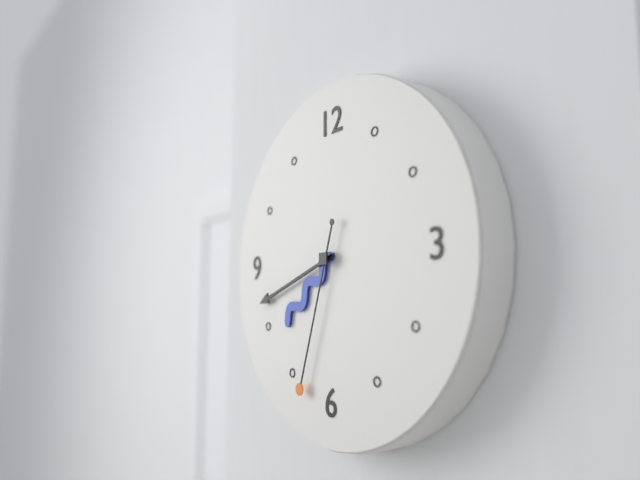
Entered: 7.42.33
